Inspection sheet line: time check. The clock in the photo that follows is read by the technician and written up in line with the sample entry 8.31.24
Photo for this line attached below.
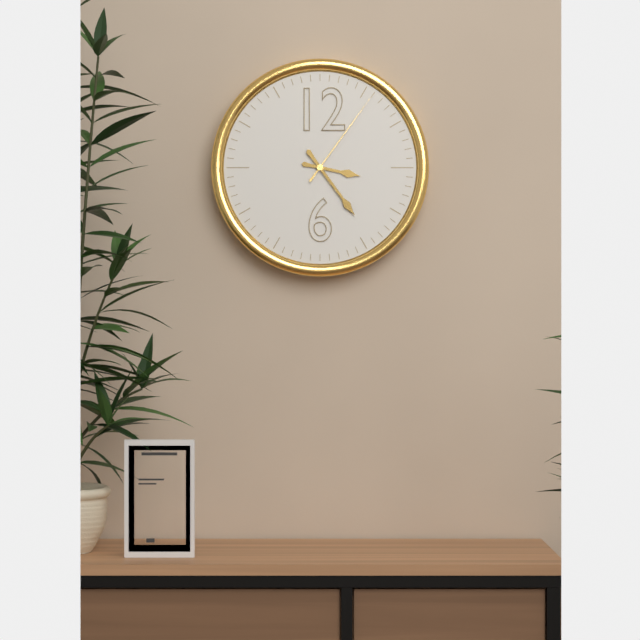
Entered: 3.24.06
